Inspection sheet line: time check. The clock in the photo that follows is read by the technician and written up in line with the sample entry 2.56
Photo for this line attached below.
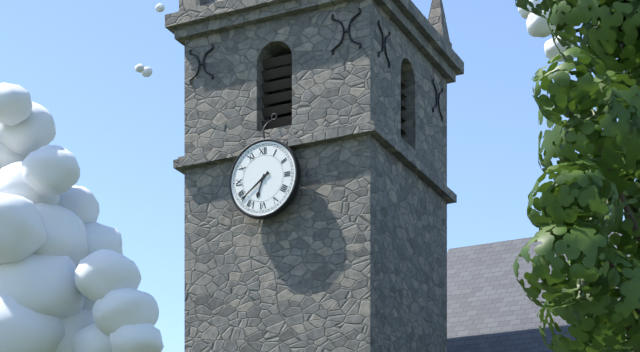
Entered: 6.39
